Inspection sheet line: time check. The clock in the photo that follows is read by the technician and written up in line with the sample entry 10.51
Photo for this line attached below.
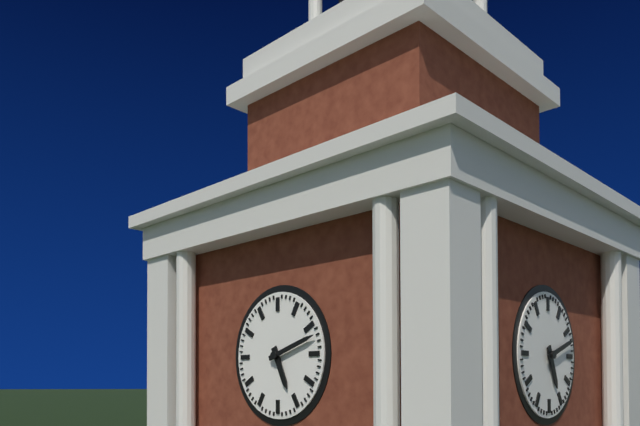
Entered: 5.12
